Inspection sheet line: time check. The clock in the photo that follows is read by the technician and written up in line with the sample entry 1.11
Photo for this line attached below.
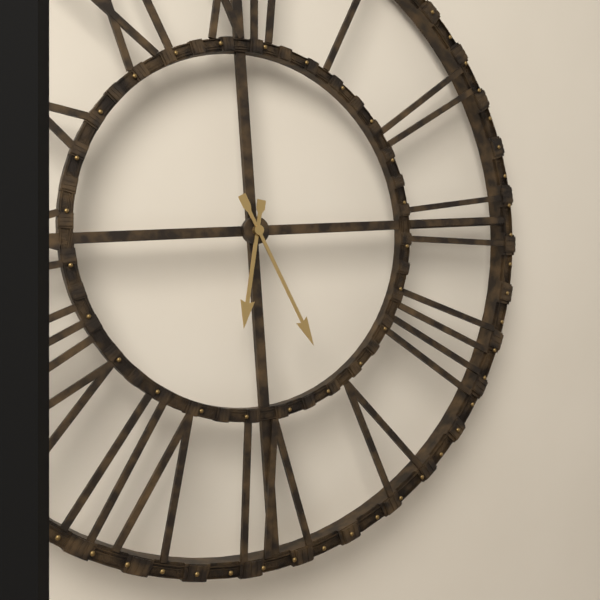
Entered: 6.26
